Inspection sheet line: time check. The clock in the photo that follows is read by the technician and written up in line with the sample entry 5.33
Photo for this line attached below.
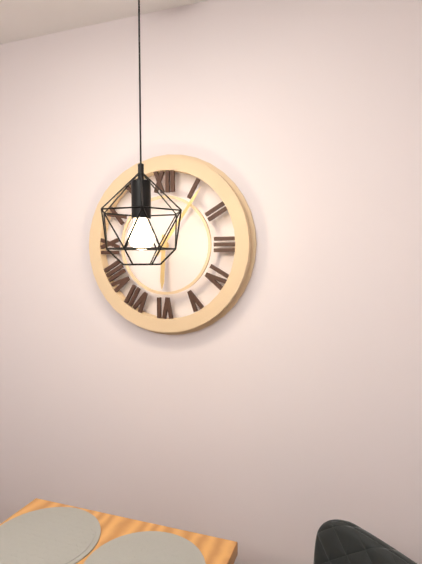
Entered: 6.06
